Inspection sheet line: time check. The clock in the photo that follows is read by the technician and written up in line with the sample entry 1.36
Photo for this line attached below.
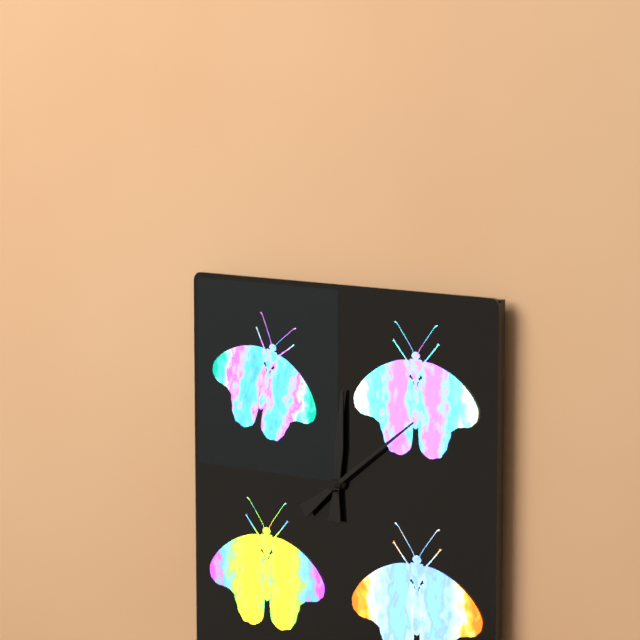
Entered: 12.09
